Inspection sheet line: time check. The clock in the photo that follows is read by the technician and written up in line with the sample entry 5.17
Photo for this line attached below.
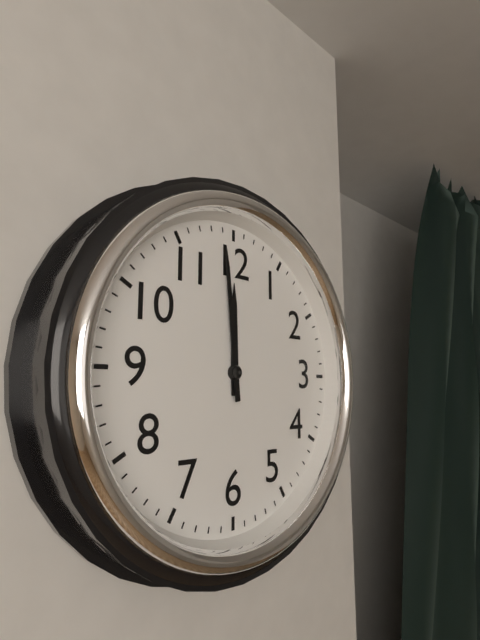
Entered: 11.59
